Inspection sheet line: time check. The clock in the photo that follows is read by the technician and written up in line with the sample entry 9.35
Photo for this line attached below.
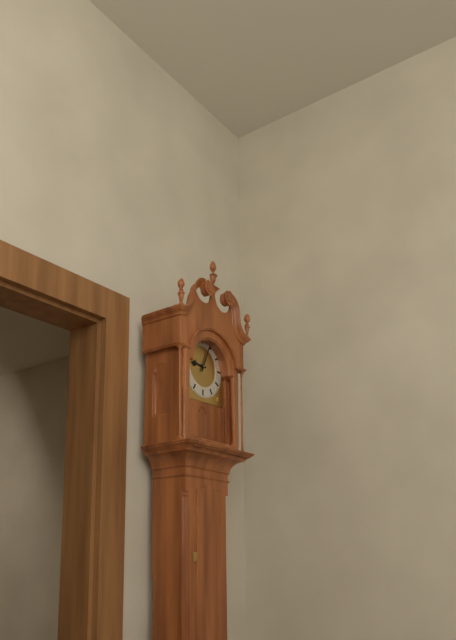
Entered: 9.04
